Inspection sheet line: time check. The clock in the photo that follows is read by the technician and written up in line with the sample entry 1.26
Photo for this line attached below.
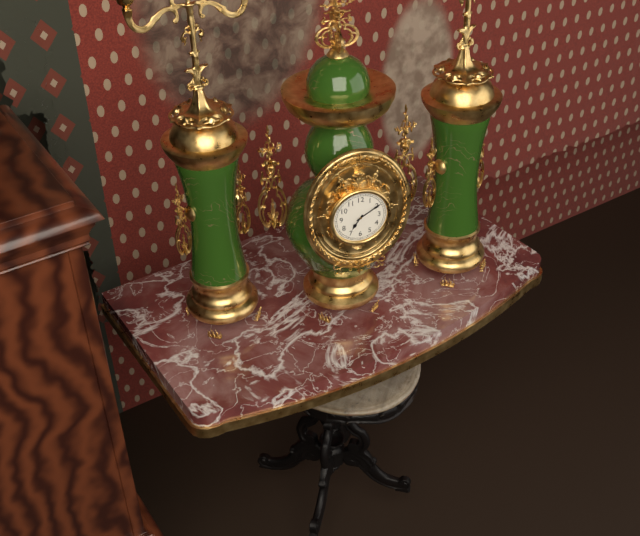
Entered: 7.10
